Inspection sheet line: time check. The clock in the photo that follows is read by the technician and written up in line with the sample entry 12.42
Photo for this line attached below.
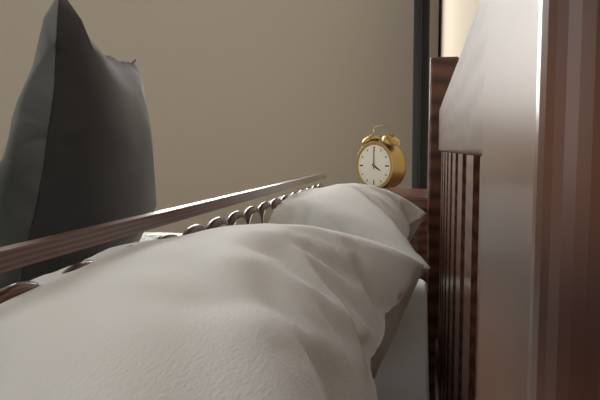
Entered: 4.00
